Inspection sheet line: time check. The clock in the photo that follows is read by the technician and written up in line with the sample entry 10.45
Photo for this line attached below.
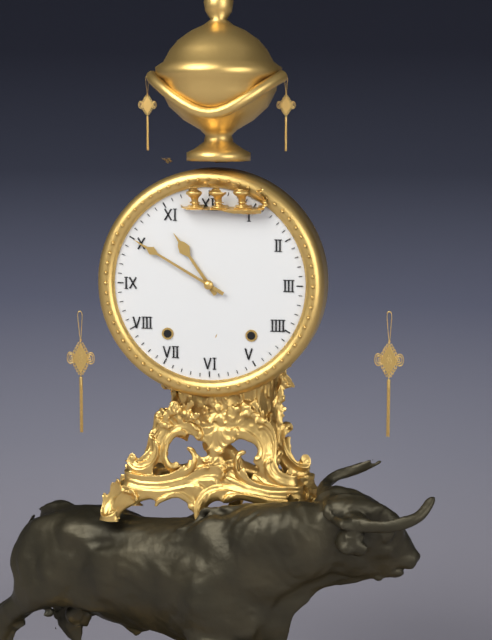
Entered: 10.50
